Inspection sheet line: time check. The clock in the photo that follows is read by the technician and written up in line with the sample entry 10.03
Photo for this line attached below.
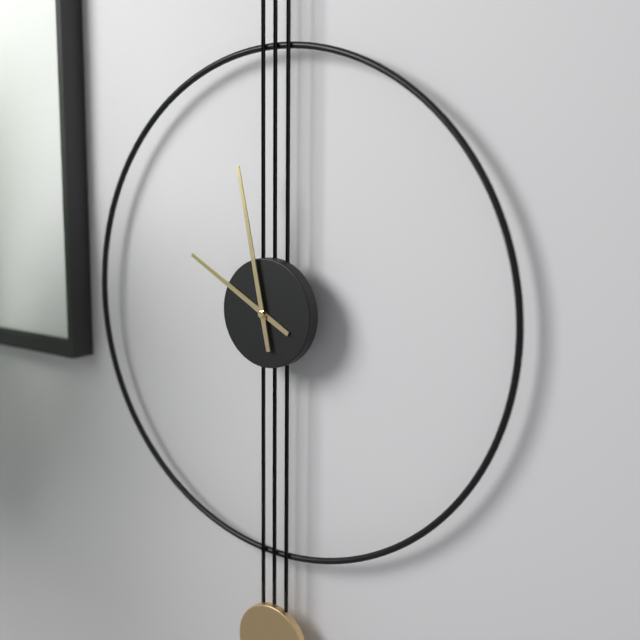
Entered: 9.58
